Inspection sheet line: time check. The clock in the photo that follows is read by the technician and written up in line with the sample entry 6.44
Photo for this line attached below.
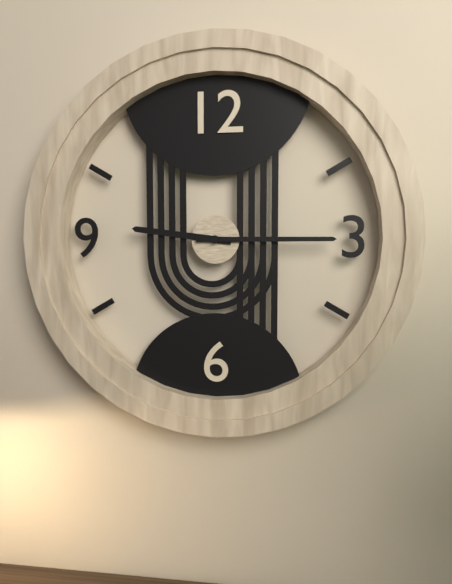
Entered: 9.15
